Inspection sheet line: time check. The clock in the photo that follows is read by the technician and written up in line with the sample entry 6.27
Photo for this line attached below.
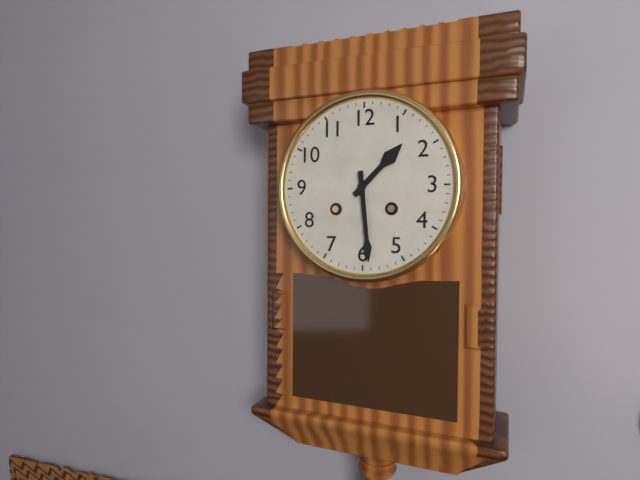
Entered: 1.29
